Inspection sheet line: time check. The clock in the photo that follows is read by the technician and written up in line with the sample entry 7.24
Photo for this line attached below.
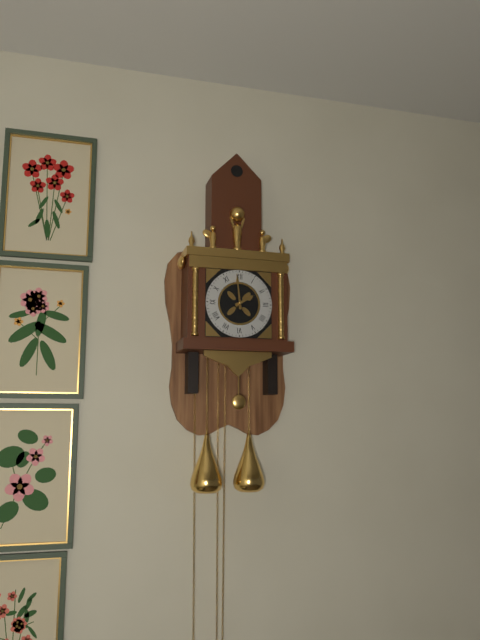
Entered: 1.59
